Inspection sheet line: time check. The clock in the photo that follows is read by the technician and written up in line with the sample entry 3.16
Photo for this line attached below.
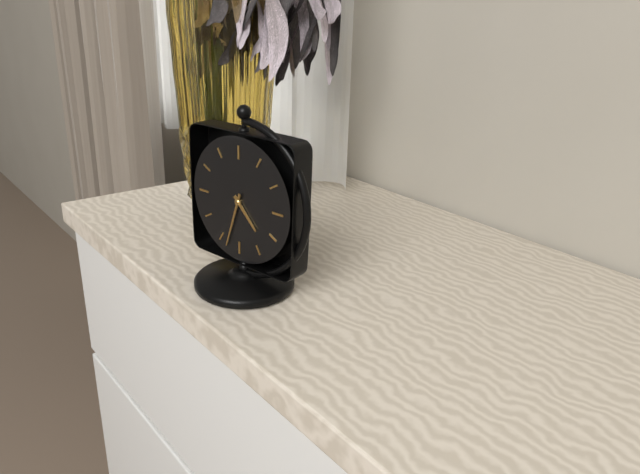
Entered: 4.33
